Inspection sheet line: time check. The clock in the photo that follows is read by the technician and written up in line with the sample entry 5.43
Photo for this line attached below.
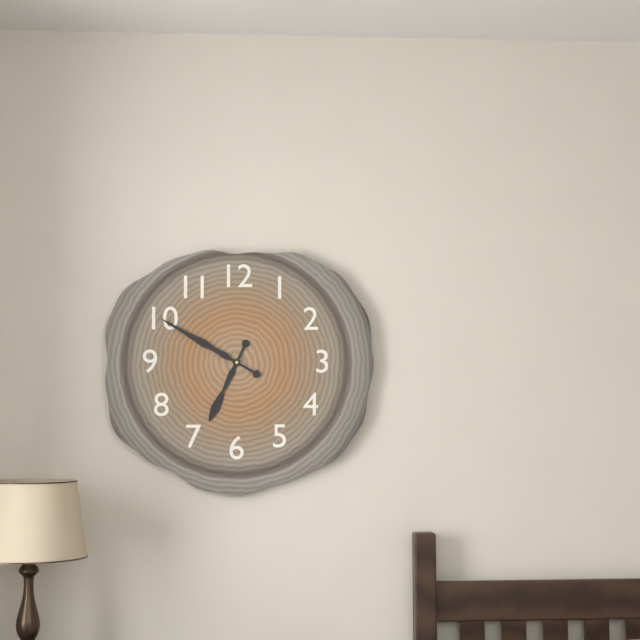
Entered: 6.50
